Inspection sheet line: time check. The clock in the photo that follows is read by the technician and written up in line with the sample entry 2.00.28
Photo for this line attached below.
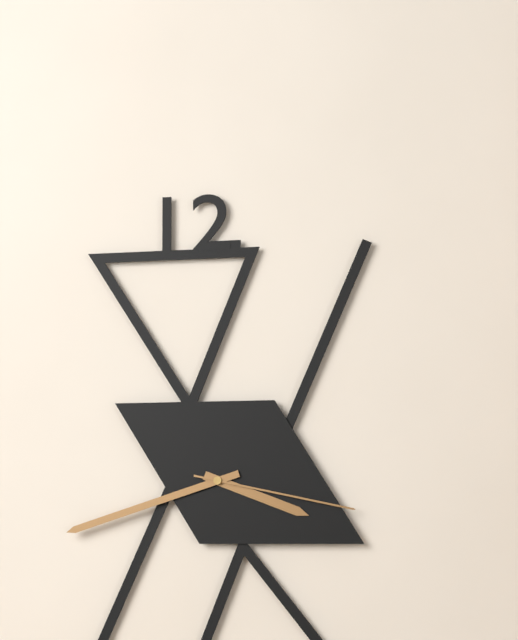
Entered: 3.42.17
